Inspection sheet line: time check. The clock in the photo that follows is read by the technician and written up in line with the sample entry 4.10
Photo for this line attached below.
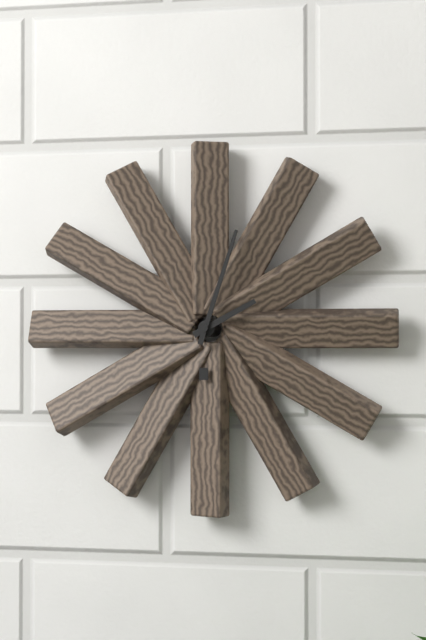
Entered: 2.03
